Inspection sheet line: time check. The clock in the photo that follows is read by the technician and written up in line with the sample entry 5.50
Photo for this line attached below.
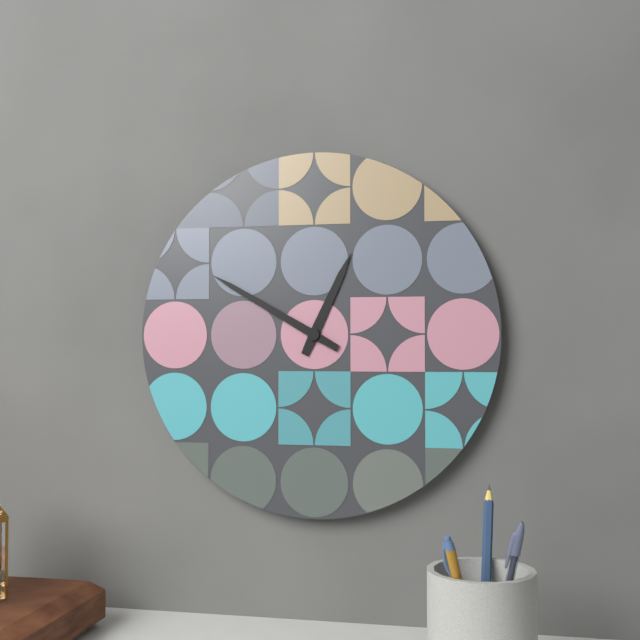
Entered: 12.50
